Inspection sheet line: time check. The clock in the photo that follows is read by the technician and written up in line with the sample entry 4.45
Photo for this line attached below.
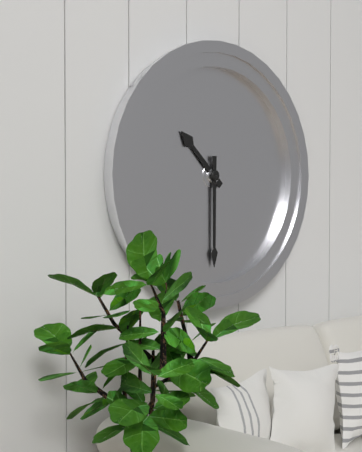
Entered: 10.30
